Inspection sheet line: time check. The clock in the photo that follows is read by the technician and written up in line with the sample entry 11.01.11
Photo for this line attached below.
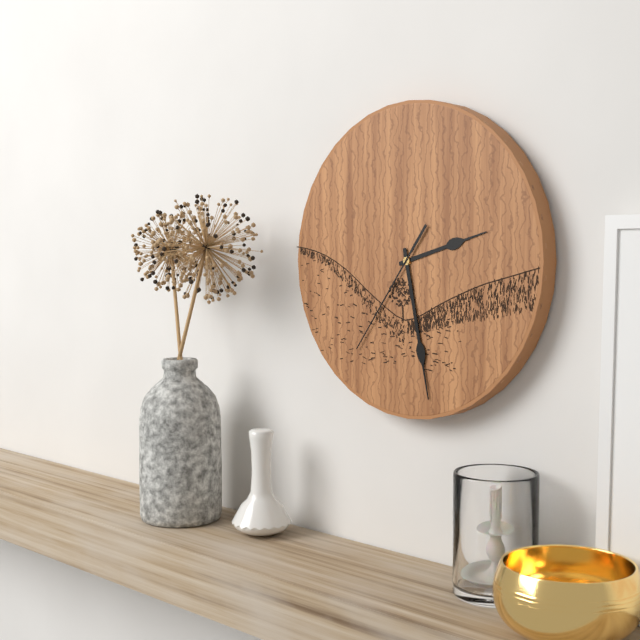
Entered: 2.28.36
